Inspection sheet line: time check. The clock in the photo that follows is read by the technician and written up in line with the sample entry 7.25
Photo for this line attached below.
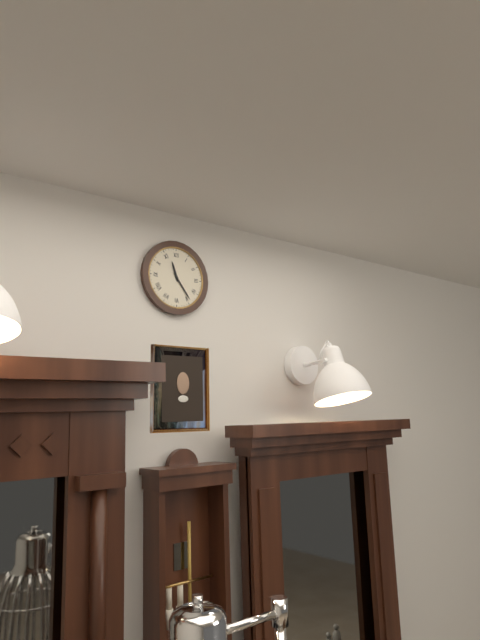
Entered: 11.24
